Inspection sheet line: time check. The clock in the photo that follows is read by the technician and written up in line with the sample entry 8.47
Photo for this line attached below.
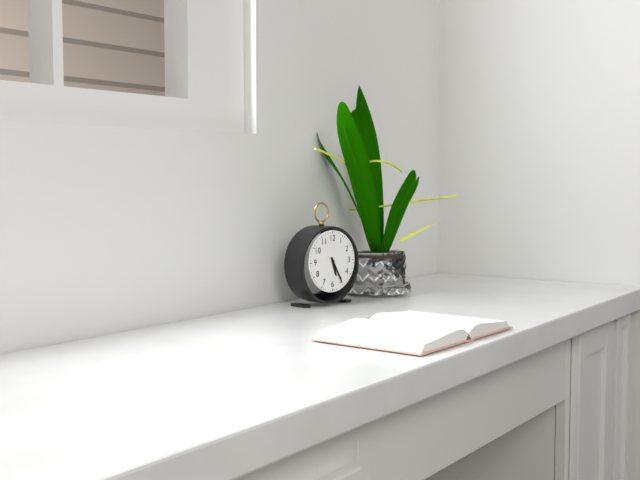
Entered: 5.25
